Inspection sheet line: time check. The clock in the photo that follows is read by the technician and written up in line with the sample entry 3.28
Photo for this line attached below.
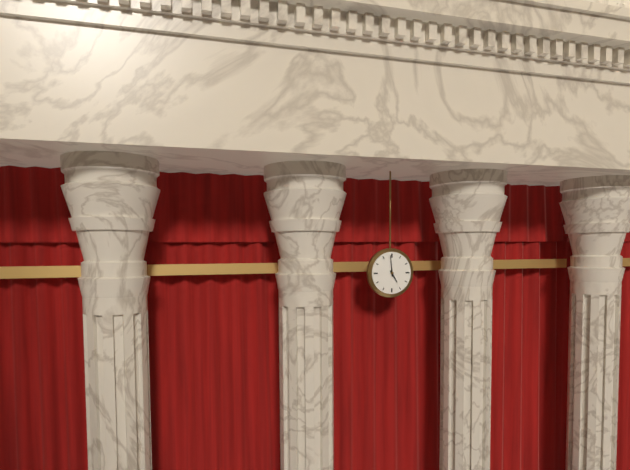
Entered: 4.59
